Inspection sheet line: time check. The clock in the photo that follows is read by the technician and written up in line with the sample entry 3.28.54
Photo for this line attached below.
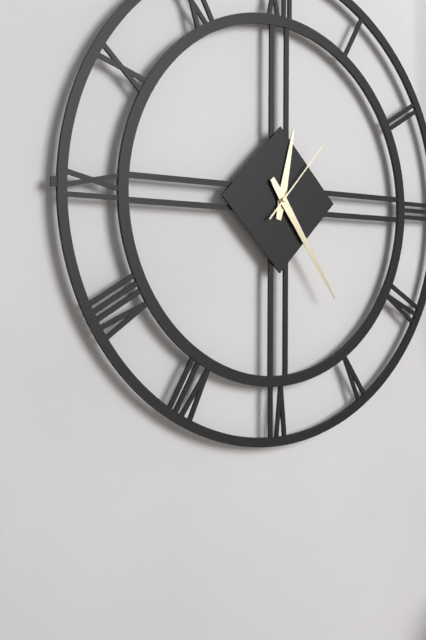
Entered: 12.24.07
